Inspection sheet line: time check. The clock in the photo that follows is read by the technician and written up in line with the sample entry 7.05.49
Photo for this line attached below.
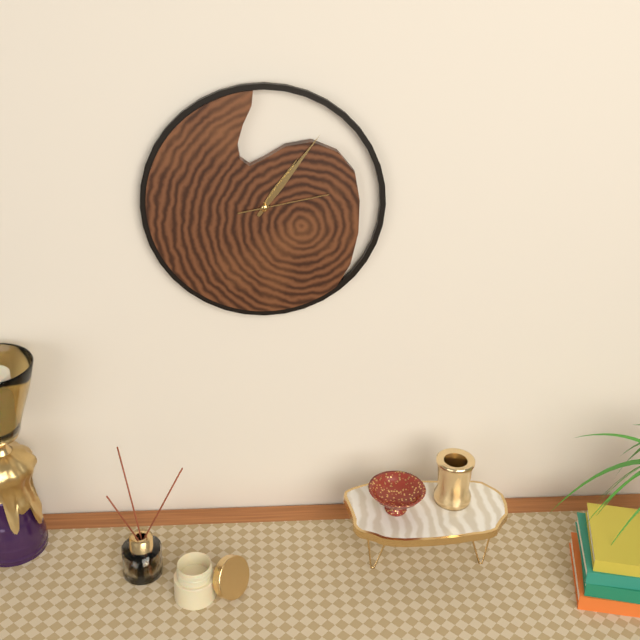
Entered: 1.06.13
